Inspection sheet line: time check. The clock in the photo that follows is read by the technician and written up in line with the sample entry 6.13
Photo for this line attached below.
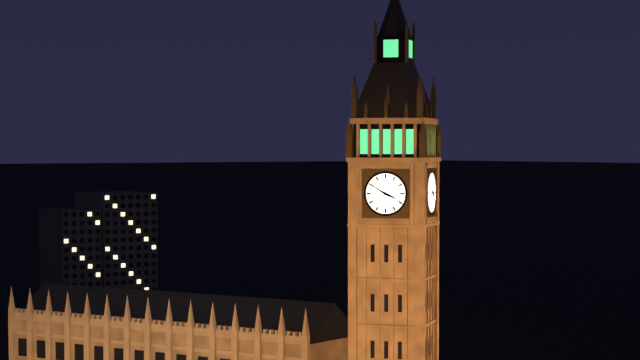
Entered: 3.50
